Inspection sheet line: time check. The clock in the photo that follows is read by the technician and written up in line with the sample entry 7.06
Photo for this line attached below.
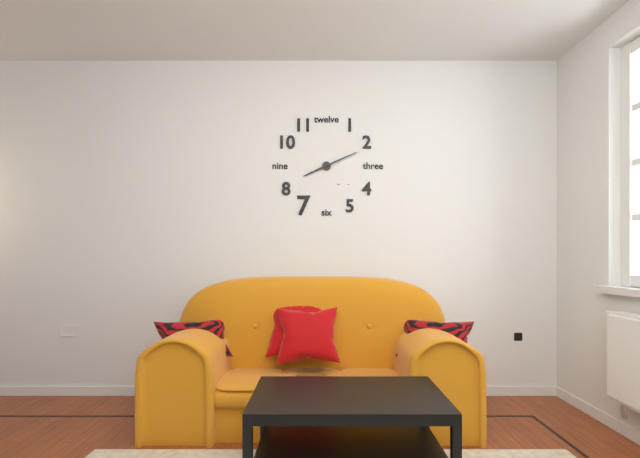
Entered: 8.11
